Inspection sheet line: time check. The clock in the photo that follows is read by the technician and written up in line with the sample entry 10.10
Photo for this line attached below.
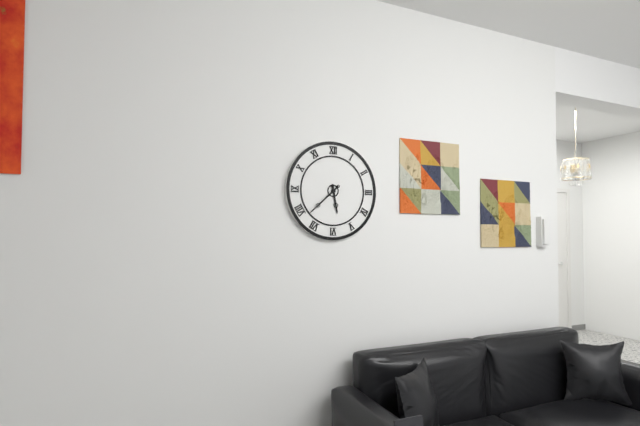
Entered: 5.38
